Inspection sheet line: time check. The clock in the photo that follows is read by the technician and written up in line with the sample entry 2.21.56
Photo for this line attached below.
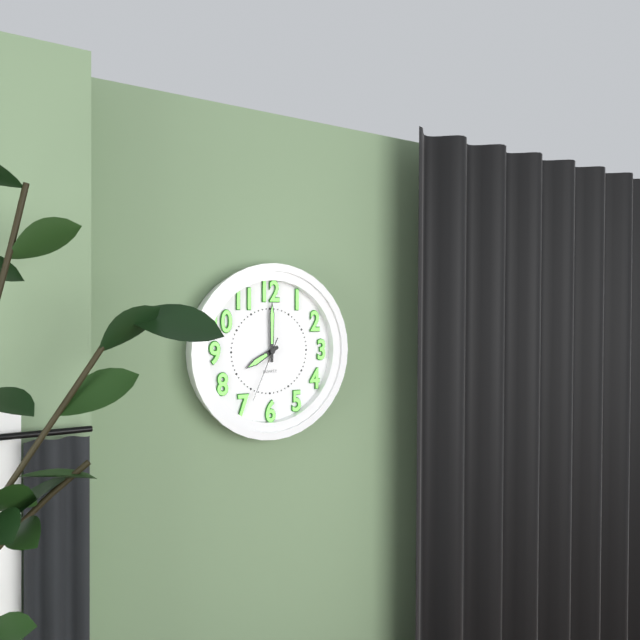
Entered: 8.00.34
